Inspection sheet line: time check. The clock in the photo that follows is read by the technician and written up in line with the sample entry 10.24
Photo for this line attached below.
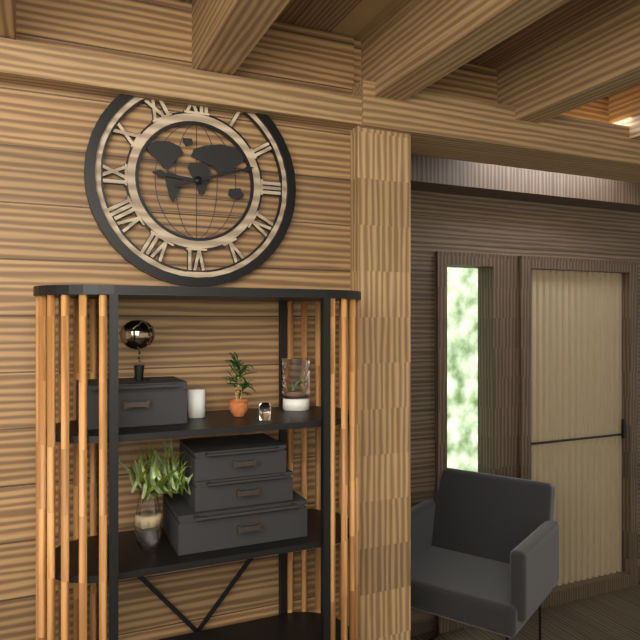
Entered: 9.12
